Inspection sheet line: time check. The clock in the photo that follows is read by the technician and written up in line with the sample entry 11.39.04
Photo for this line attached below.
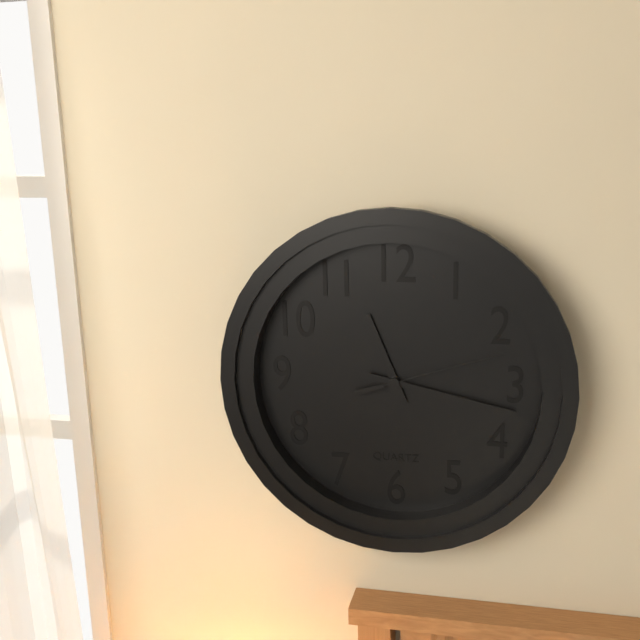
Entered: 11.17.12
